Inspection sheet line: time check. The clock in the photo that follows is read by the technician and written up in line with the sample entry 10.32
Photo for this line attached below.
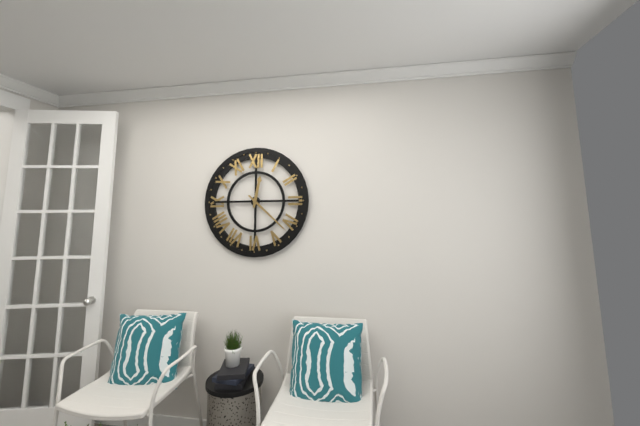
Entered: 12.22
